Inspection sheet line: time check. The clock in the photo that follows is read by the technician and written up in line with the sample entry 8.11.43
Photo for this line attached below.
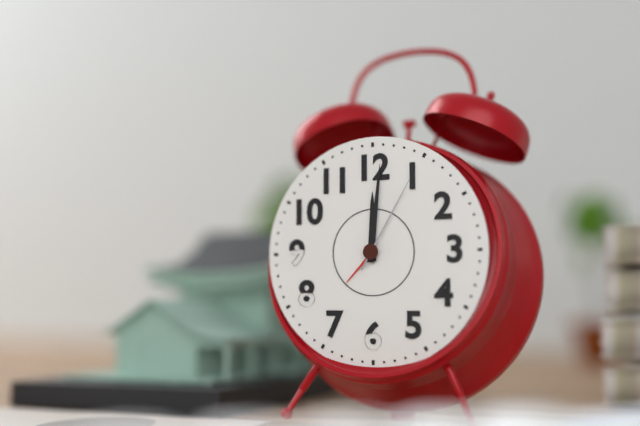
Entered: 12.01.05
